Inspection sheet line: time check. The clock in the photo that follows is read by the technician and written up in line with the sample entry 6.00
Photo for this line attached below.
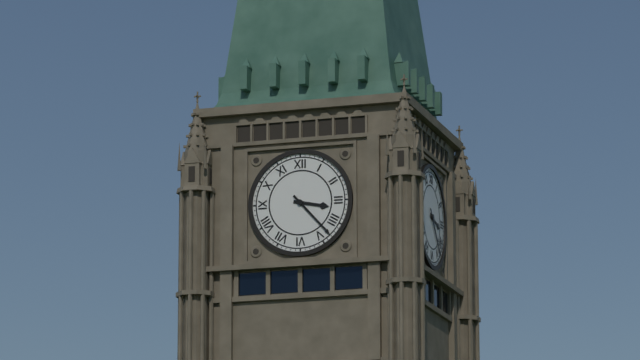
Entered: 3.23
